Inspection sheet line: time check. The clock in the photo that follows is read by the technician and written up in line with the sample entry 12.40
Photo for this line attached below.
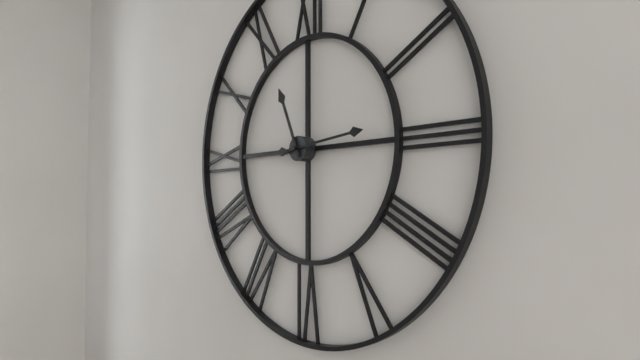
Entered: 11.14
